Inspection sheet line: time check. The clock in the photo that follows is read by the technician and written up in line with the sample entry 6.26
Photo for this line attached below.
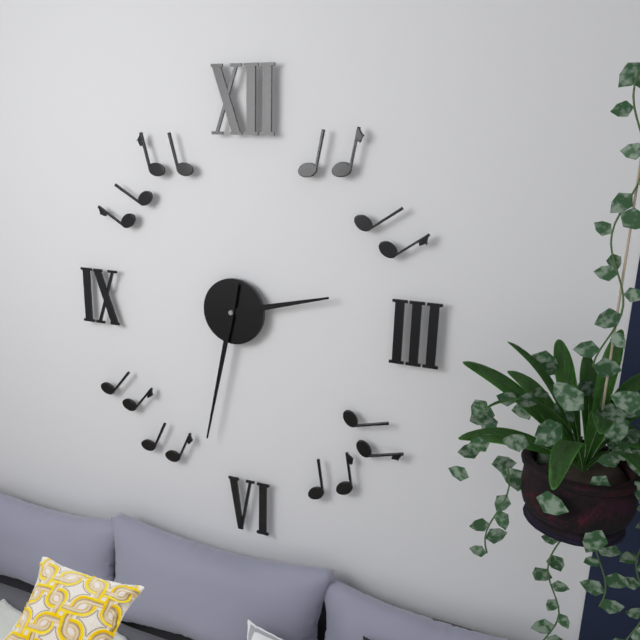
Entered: 2.32
